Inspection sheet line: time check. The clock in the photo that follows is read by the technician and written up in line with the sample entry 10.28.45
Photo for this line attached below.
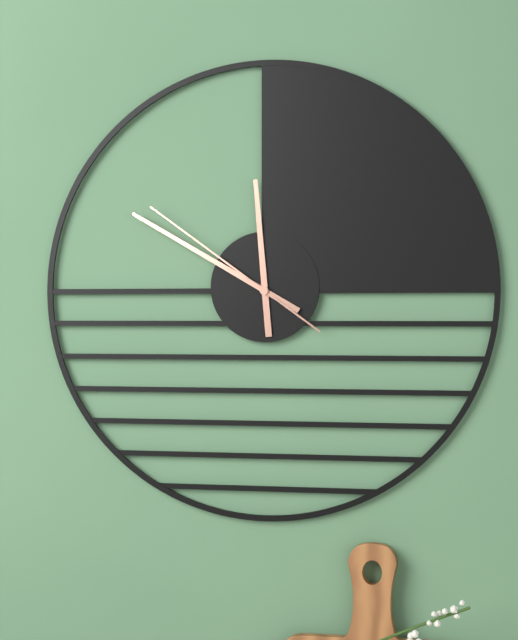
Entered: 11.50.51
